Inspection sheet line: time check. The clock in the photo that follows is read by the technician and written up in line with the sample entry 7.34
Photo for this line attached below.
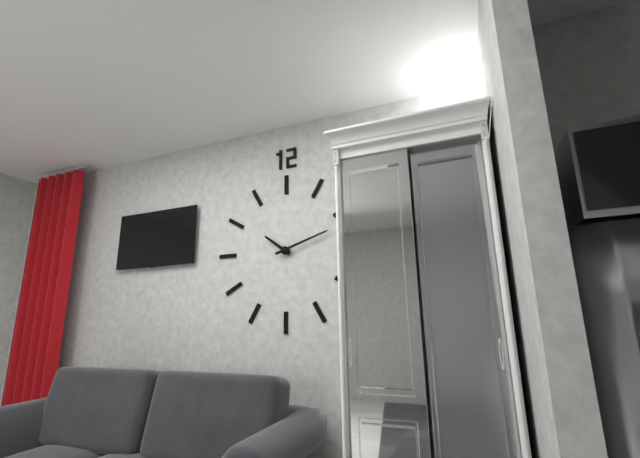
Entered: 10.12
